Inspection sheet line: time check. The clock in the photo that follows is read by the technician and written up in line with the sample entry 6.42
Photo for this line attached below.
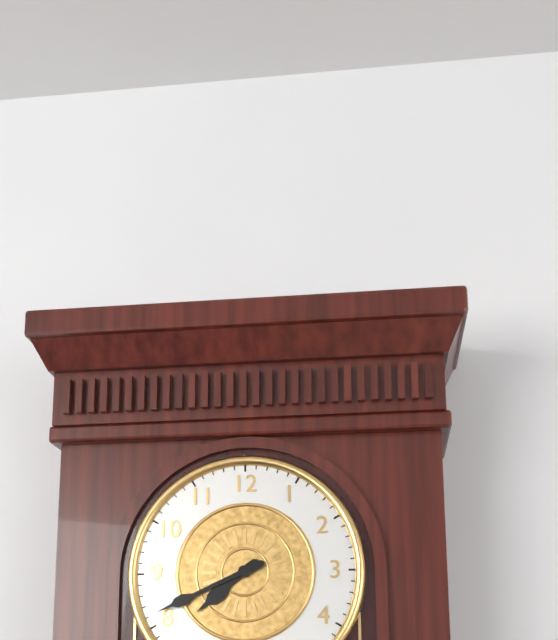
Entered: 7.41
